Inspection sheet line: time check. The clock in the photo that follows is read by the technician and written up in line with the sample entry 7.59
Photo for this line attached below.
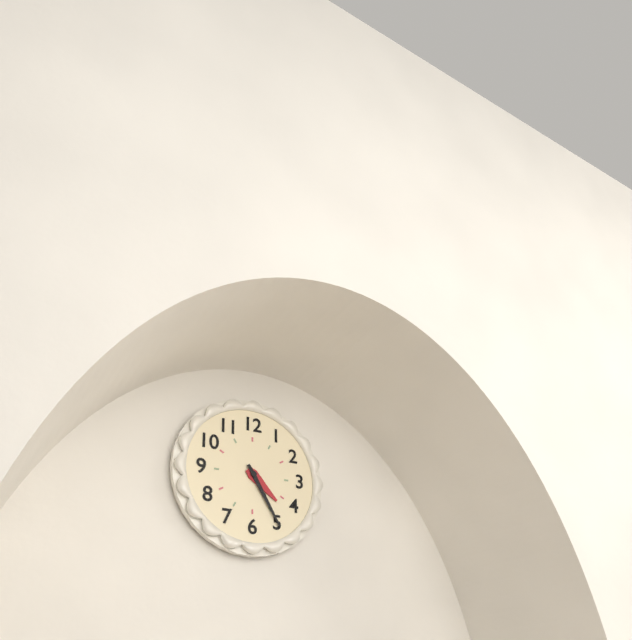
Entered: 4.25
